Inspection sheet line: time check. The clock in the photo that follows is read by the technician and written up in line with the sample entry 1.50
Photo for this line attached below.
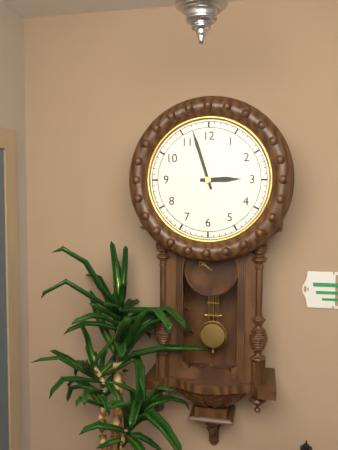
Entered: 2.57
